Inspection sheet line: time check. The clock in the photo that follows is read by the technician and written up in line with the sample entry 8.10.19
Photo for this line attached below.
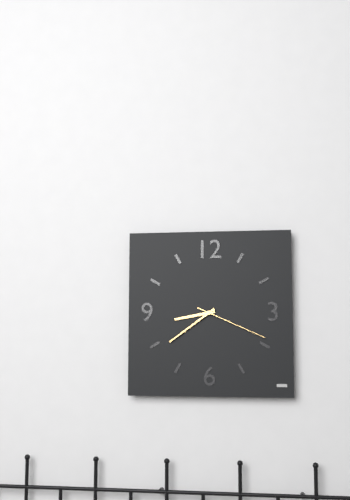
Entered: 8.39.19
